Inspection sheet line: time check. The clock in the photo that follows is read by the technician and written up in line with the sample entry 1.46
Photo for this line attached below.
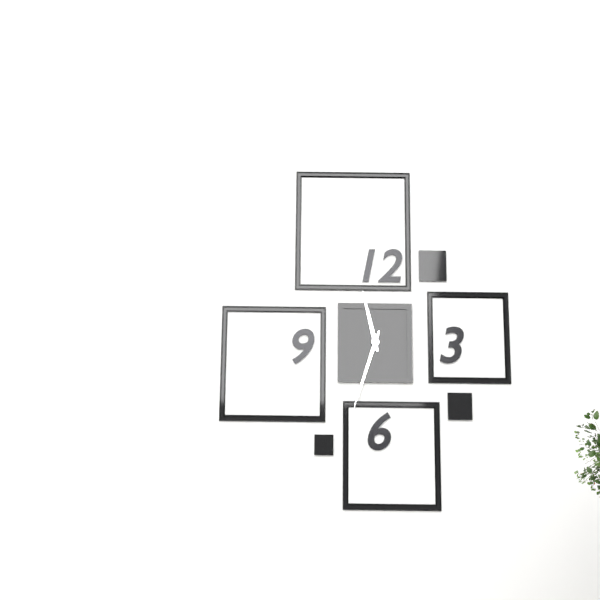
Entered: 11.33
